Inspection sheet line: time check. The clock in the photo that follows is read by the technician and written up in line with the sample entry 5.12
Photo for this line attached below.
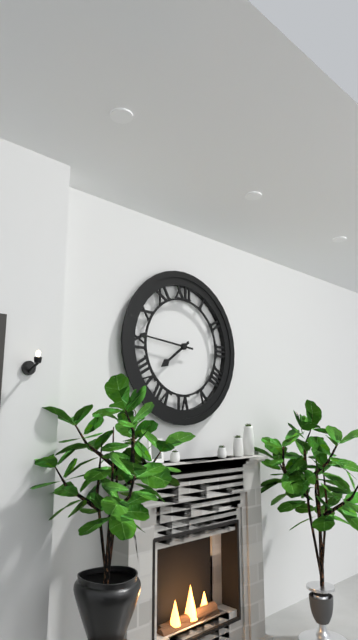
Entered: 7.46
